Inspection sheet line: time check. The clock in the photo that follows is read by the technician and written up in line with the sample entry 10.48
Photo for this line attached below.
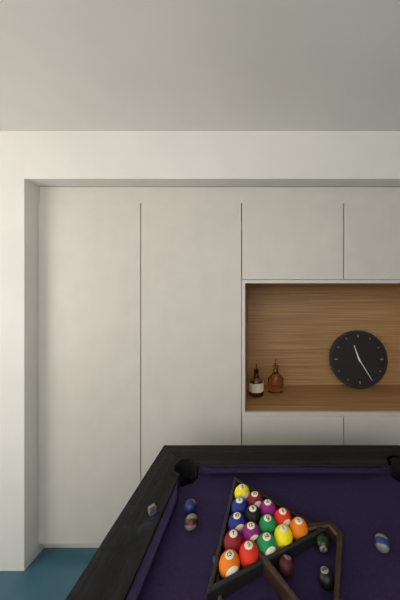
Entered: 11.25
